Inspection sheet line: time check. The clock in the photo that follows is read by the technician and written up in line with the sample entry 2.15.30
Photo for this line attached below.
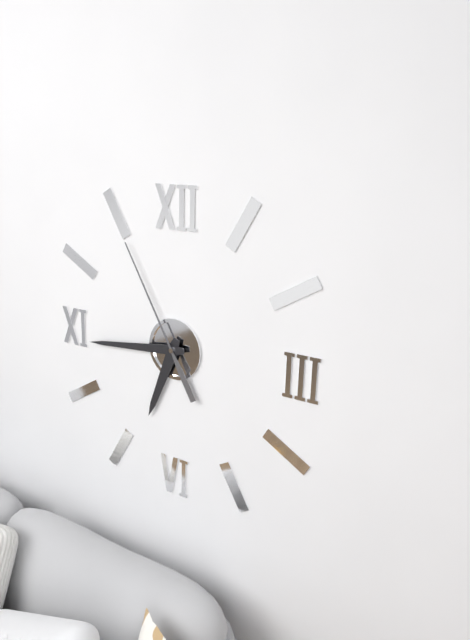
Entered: 6.44.55
